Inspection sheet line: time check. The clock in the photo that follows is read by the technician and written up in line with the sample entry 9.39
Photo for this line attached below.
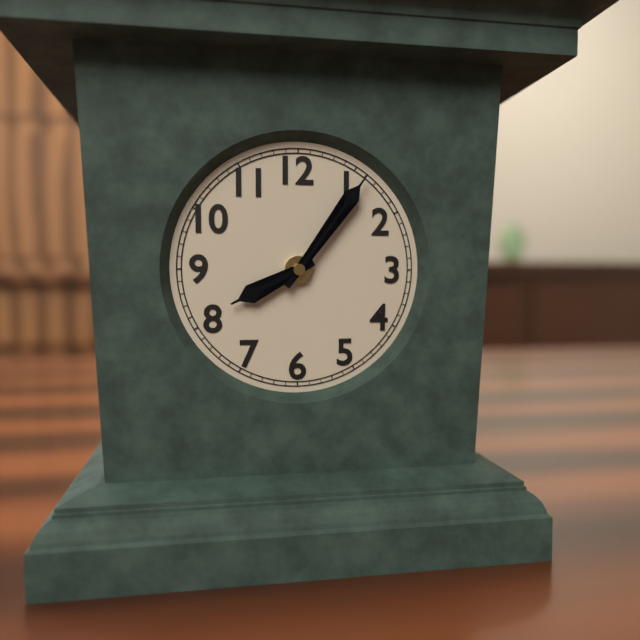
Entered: 8.06
